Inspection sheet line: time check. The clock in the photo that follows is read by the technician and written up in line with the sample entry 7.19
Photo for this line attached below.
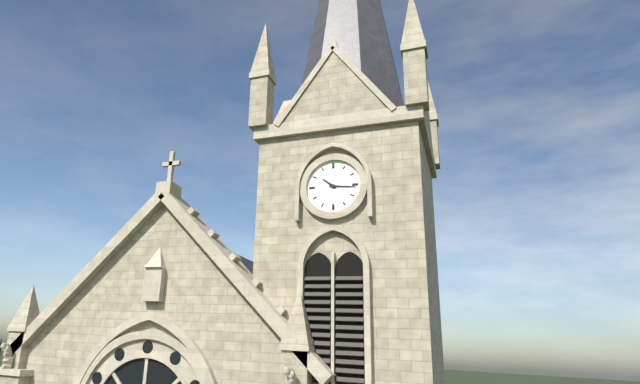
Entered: 10.16
